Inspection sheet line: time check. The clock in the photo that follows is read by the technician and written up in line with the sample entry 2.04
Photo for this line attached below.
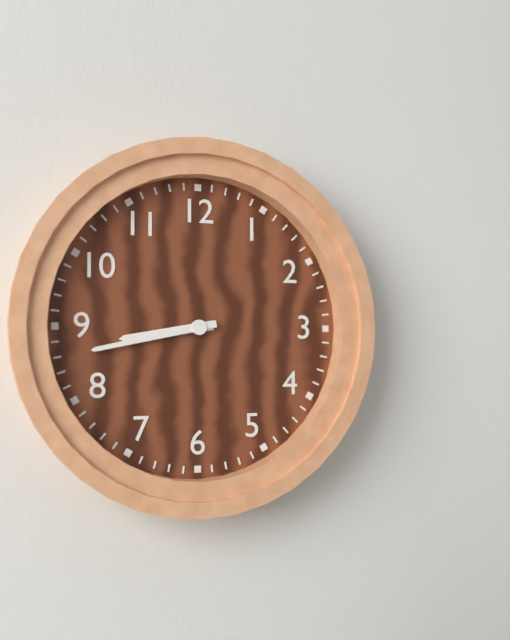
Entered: 8.43
